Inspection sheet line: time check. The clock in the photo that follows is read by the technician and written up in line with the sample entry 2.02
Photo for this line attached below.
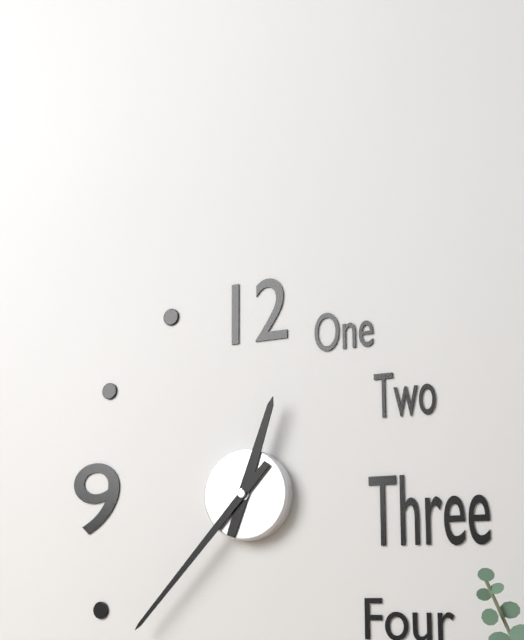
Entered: 12.37
